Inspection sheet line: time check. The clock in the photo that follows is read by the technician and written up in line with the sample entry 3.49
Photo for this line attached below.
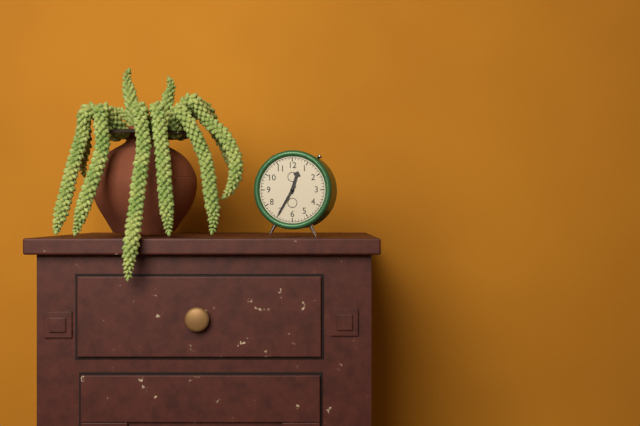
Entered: 12.35
